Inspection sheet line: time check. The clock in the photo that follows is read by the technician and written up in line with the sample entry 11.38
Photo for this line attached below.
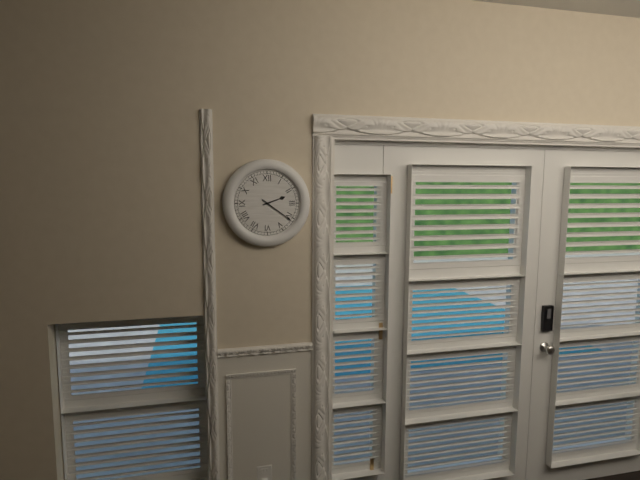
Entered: 2.21
